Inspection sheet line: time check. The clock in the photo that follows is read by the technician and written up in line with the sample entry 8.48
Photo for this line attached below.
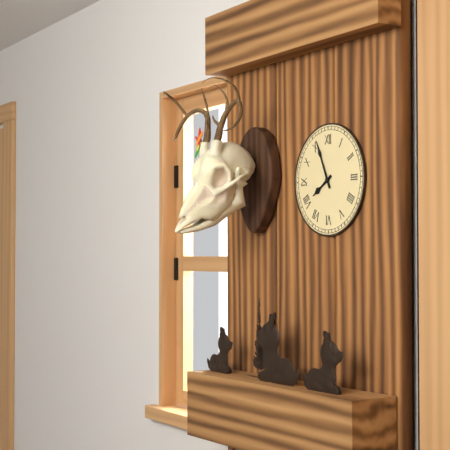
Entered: 7.56
